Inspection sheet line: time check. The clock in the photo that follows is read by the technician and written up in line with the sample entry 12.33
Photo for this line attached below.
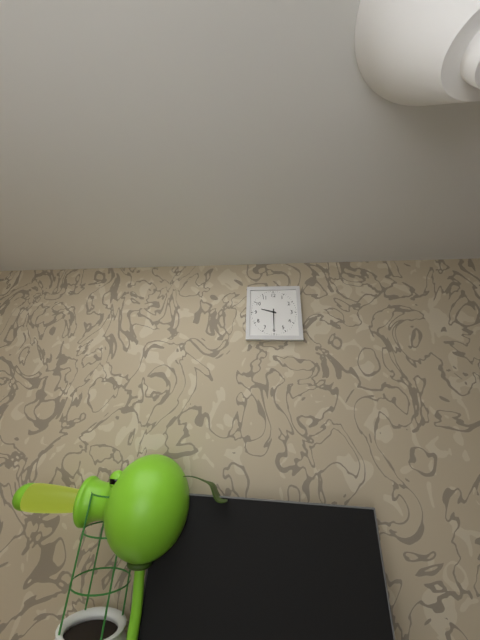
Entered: 9.30
